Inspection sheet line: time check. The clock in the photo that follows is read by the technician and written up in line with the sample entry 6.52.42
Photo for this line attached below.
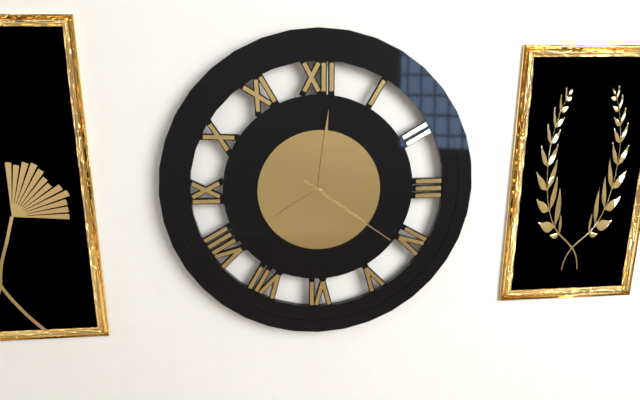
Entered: 8.01.21
